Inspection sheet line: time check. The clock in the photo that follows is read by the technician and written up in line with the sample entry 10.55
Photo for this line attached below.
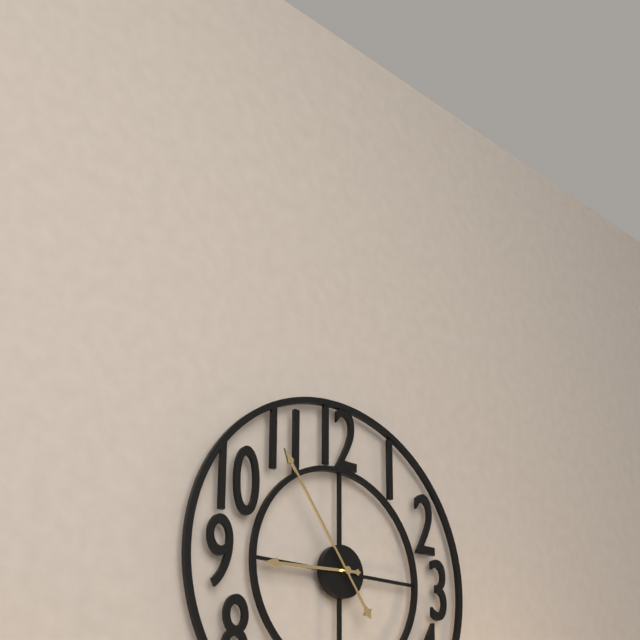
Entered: 8.54
